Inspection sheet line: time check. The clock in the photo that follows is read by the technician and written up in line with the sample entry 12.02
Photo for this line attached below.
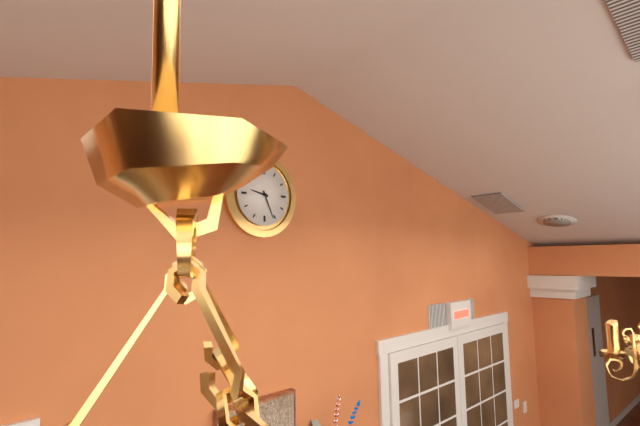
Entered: 9.26
